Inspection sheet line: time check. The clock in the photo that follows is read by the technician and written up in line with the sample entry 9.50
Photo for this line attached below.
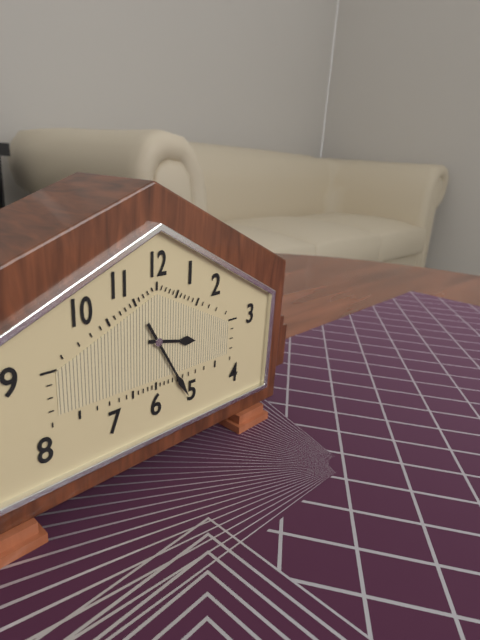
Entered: 3.25
